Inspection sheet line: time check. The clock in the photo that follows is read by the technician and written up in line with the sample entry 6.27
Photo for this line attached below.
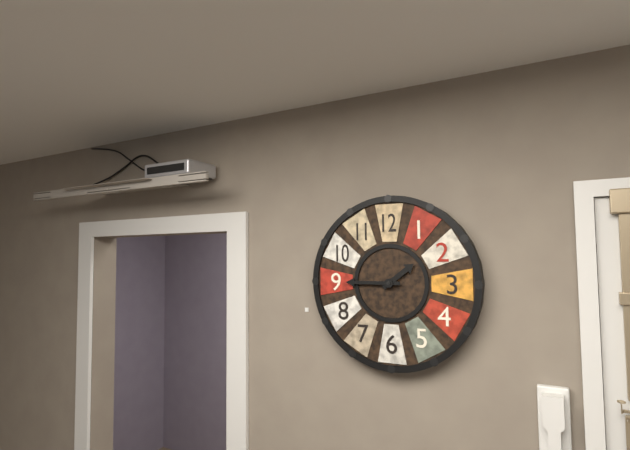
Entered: 1.45
